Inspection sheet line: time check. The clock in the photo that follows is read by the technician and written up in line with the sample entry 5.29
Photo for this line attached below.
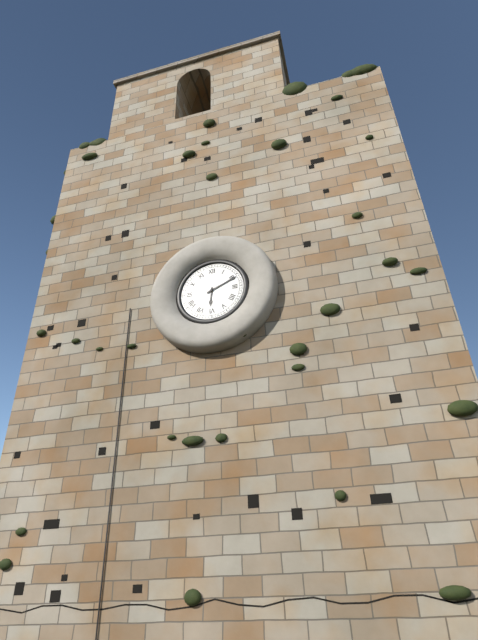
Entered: 6.11
